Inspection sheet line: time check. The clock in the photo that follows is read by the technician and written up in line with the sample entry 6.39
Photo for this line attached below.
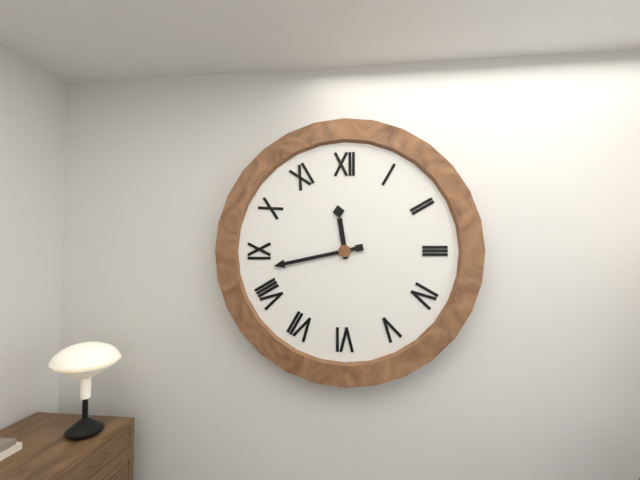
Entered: 11.43
